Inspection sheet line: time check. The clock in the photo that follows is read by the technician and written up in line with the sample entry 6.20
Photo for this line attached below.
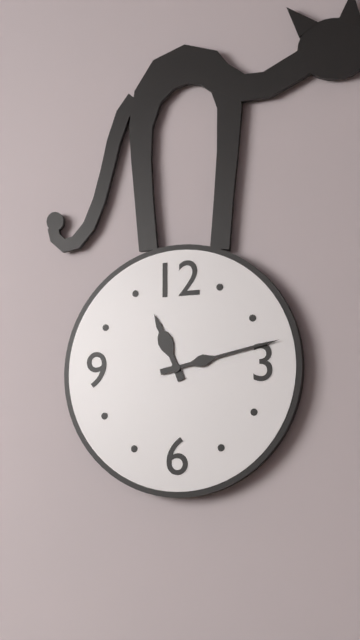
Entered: 11.13
